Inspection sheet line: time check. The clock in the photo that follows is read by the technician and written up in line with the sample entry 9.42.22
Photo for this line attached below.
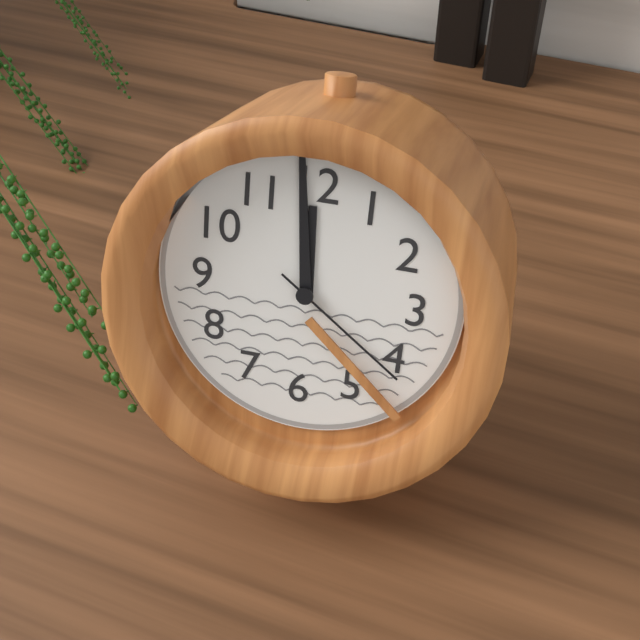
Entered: 11.59.21
